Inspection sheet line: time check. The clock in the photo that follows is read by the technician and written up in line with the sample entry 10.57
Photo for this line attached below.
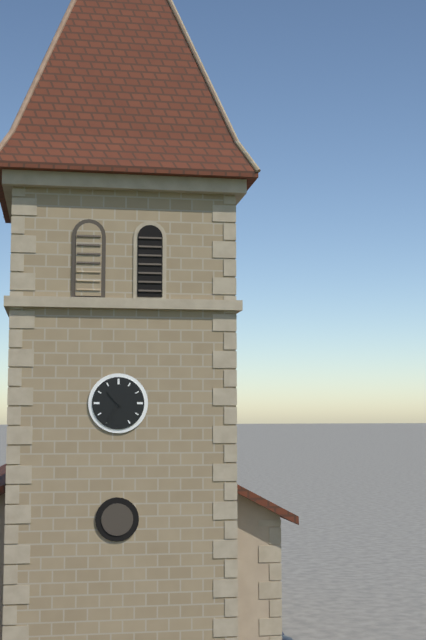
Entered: 10.35
